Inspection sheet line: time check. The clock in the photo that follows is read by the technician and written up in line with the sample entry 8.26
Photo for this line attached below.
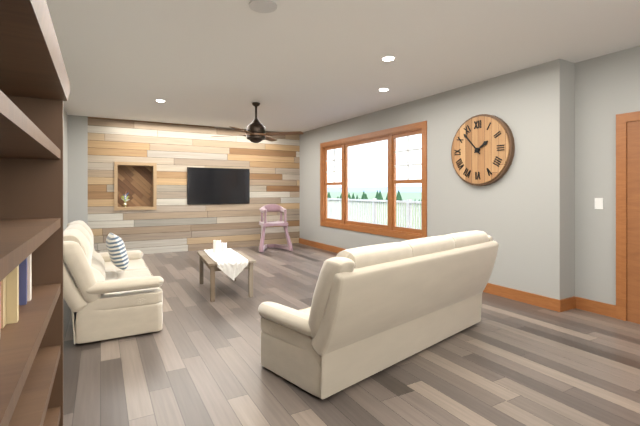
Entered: 1.53
